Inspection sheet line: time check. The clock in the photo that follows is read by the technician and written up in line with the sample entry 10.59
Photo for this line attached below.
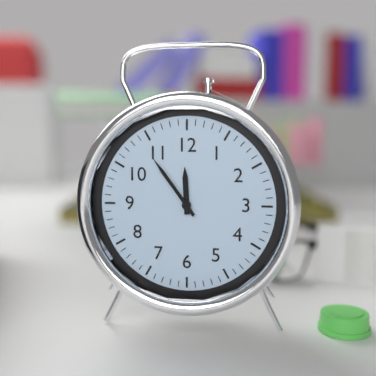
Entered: 11.54
